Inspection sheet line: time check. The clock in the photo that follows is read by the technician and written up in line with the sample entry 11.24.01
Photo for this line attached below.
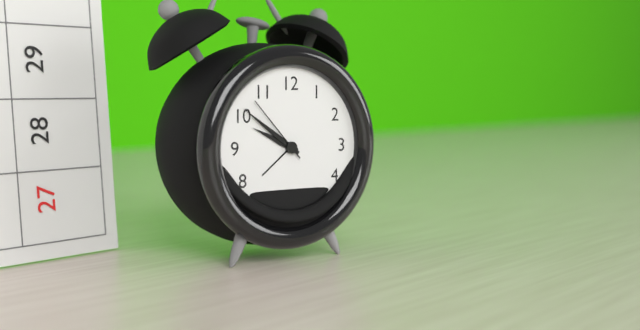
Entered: 9.51.53
